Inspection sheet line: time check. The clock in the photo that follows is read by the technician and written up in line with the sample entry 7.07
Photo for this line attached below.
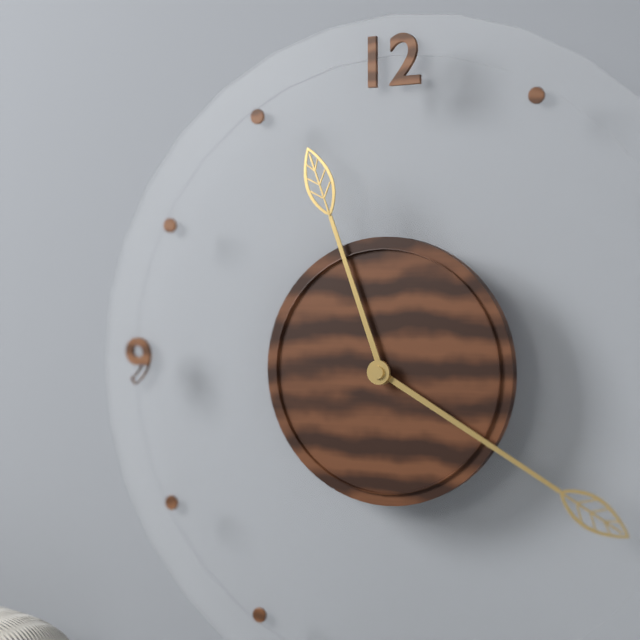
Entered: 11.20
